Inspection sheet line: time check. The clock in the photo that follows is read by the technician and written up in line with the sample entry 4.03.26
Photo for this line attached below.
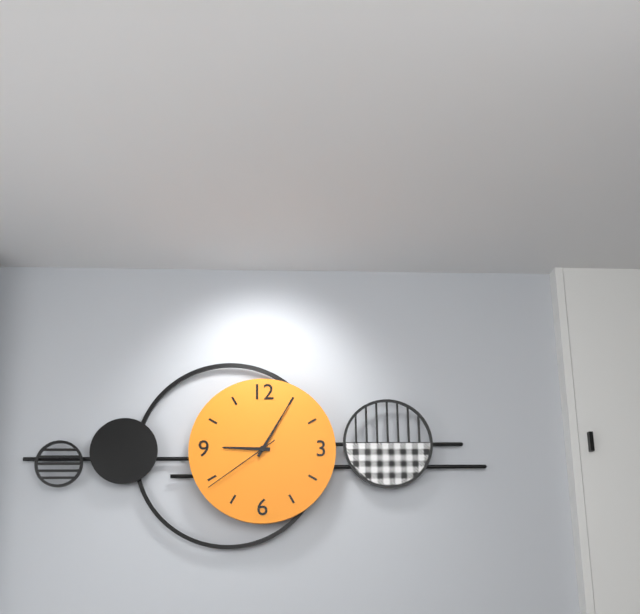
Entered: 9.05.39
